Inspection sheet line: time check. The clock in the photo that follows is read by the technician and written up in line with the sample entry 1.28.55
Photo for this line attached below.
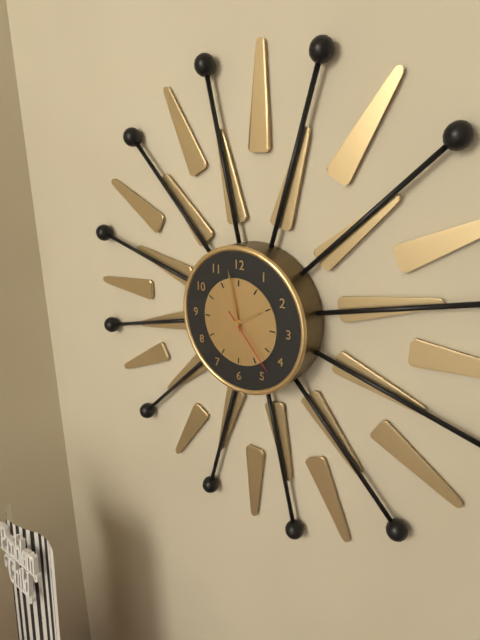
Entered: 1.58.23
